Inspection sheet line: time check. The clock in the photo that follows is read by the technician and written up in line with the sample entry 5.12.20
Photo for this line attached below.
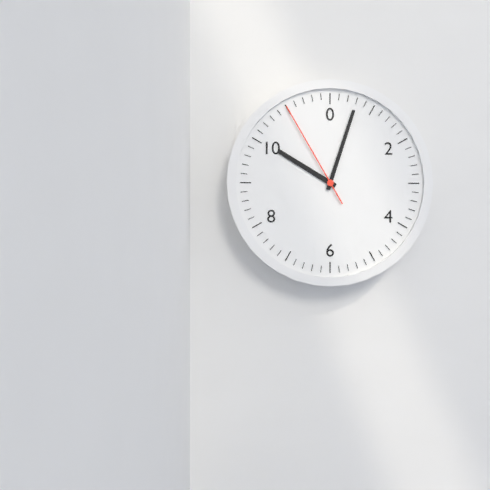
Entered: 10.03.55
